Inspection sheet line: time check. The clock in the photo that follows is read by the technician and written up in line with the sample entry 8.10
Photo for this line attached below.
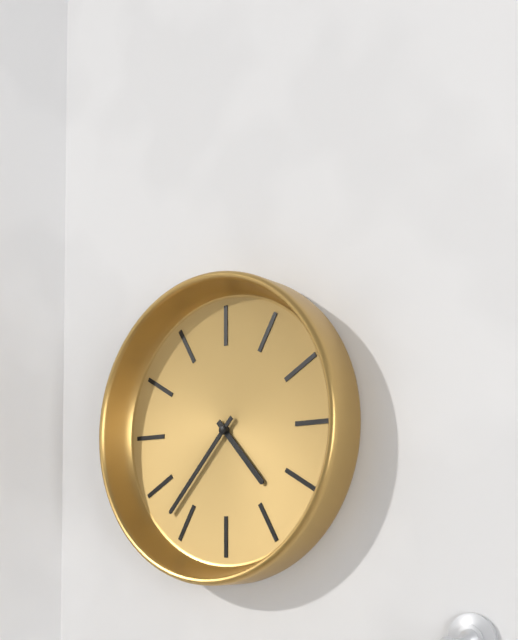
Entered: 4.37
